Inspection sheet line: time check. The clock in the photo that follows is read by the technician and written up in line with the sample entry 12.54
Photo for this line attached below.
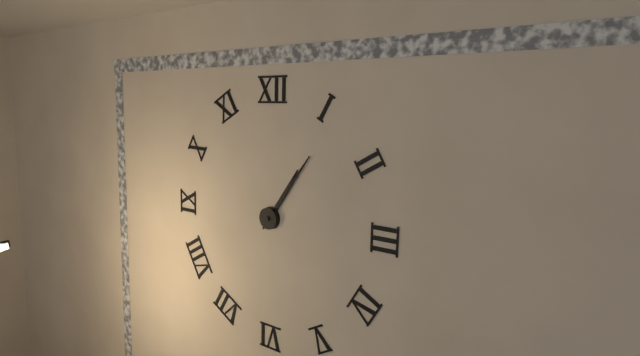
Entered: 1.06
